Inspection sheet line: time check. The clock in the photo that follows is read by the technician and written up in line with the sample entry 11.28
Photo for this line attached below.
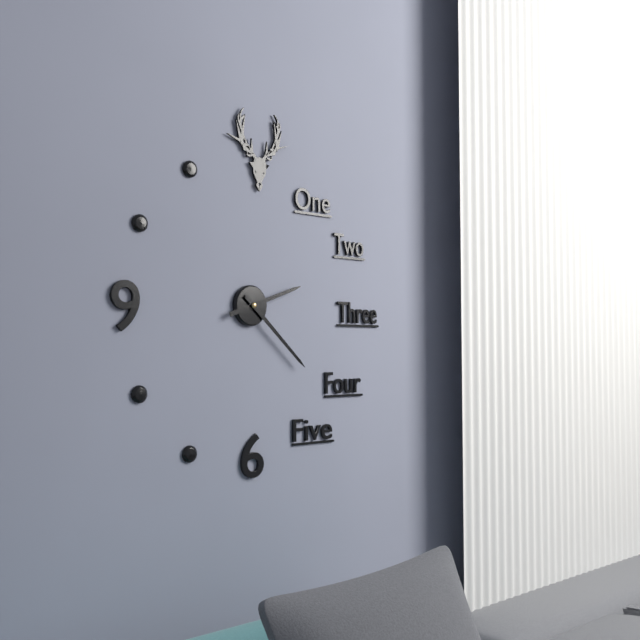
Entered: 2.22
